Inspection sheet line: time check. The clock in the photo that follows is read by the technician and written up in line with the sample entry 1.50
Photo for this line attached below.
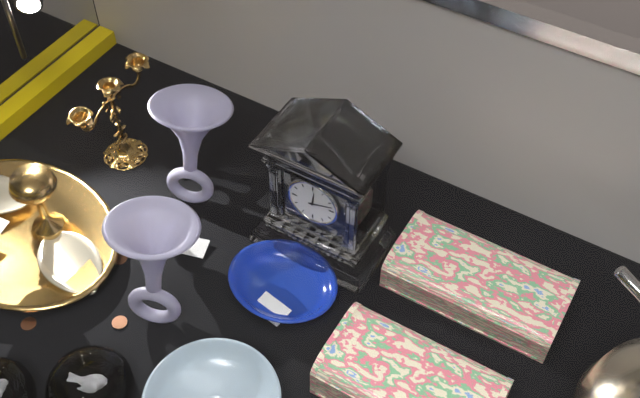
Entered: 12.12
